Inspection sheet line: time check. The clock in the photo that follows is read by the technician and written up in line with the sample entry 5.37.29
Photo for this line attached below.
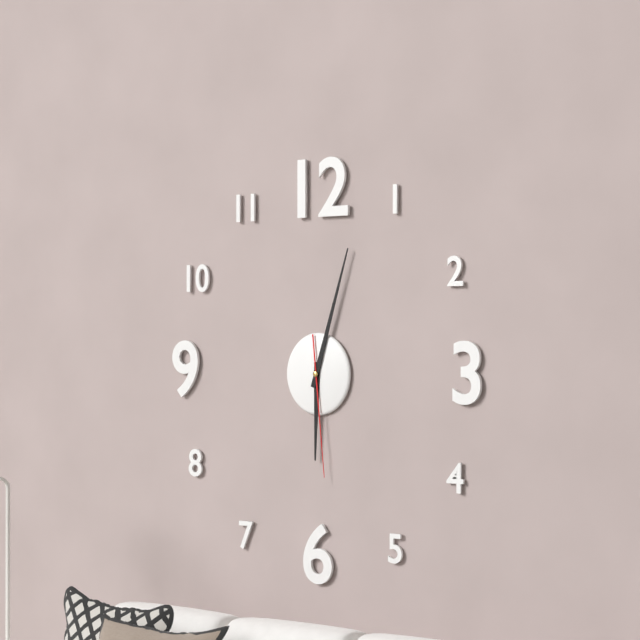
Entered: 6.03.29
